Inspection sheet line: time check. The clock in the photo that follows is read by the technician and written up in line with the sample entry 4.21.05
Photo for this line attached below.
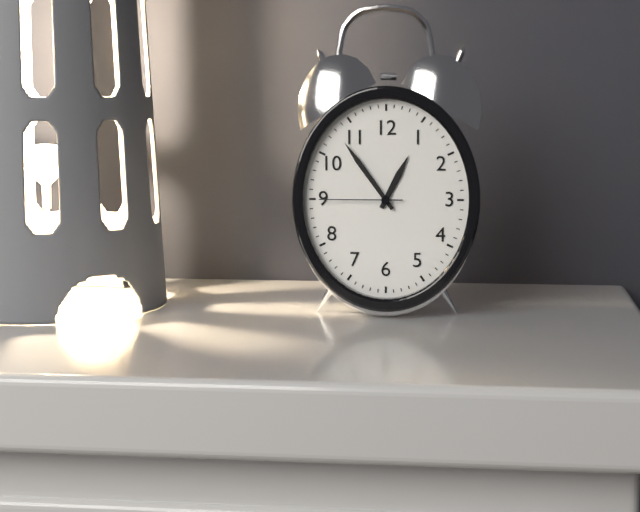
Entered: 12.54.45
